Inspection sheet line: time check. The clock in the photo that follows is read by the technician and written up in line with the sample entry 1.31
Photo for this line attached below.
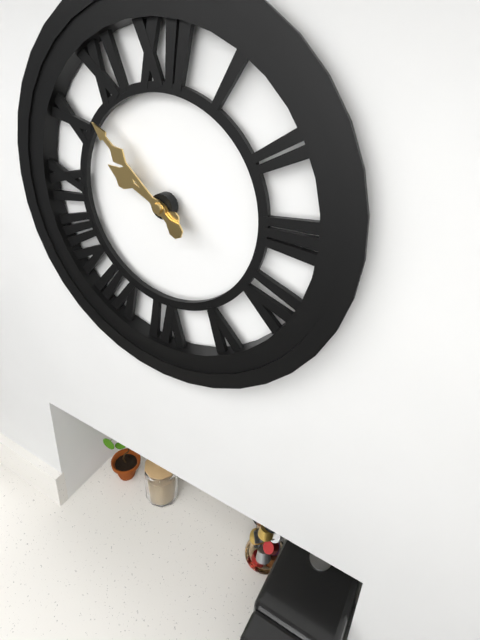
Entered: 9.52
